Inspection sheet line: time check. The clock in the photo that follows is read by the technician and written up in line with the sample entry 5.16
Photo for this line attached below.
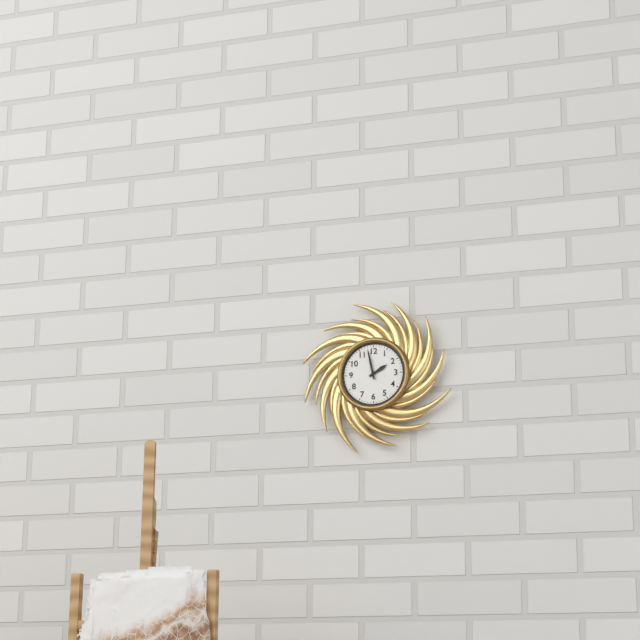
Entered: 1.58
